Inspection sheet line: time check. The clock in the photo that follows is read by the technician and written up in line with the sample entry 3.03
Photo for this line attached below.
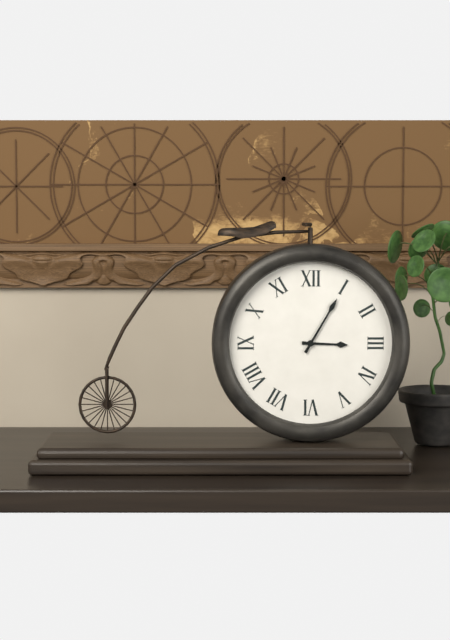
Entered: 3.05
